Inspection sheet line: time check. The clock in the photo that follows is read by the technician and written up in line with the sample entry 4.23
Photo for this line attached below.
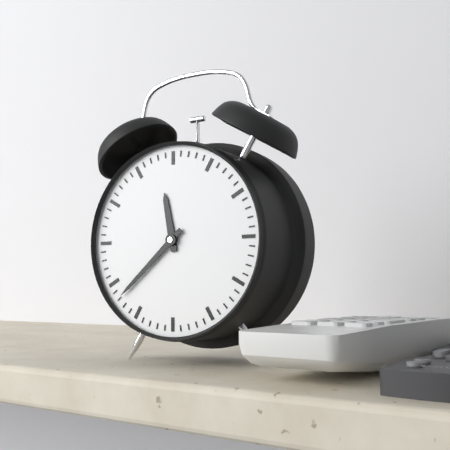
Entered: 11.38
